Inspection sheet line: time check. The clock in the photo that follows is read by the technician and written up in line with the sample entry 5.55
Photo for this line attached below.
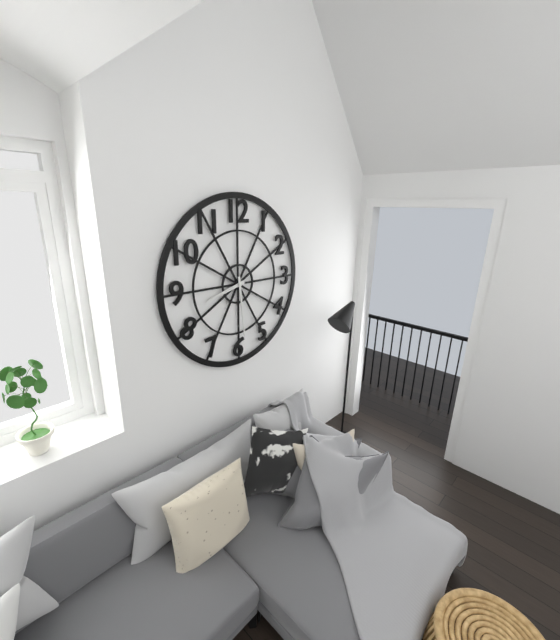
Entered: 8.29
